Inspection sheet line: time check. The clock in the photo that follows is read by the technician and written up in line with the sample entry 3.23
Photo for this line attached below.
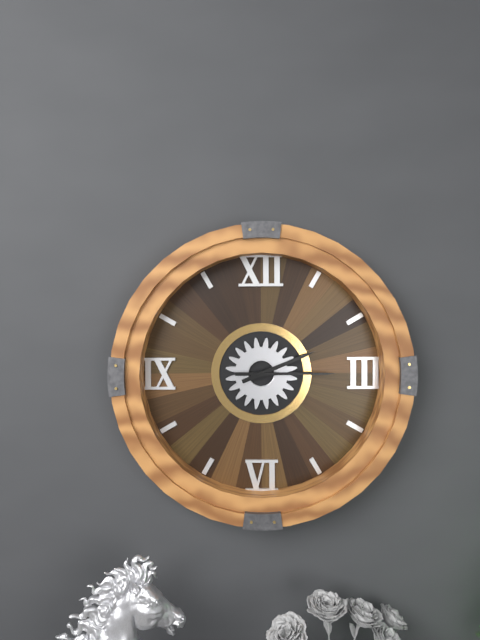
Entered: 2.15
